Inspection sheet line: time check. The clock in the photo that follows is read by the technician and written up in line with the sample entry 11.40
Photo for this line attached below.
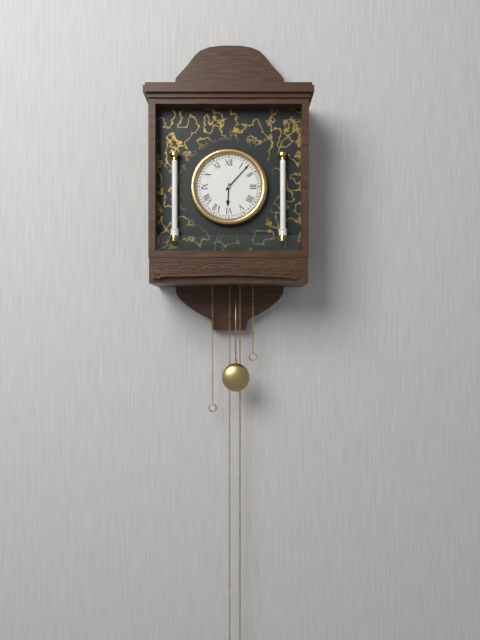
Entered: 6.07
